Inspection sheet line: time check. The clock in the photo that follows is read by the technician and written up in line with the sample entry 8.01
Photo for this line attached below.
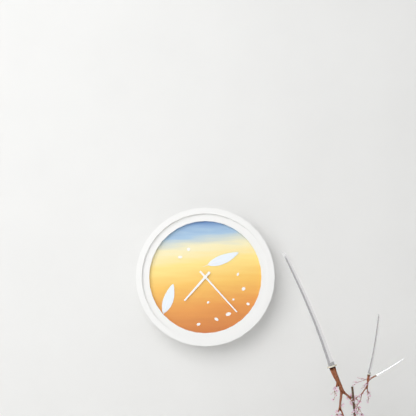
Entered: 7.23
